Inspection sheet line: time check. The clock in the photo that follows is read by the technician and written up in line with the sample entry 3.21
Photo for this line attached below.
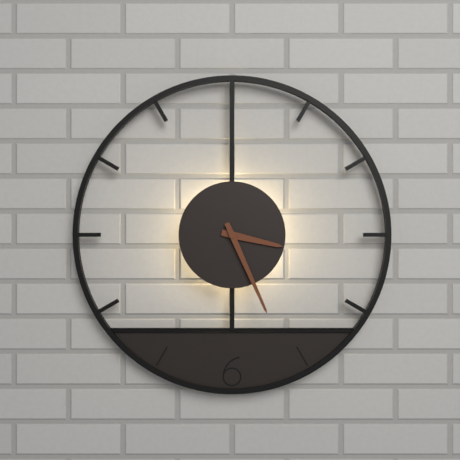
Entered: 3.26
